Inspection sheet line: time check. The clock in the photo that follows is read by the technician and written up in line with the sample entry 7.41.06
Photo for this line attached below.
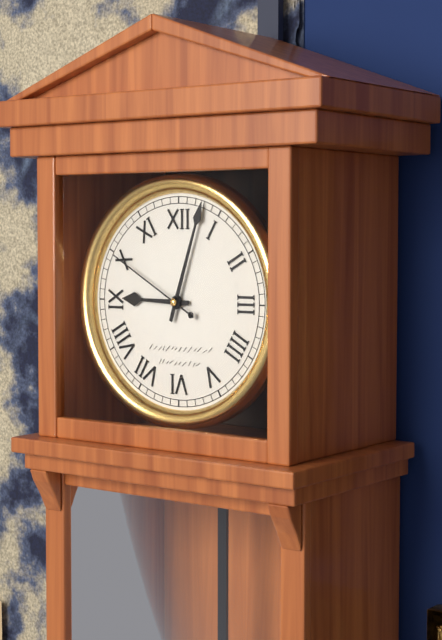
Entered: 9.03.50
